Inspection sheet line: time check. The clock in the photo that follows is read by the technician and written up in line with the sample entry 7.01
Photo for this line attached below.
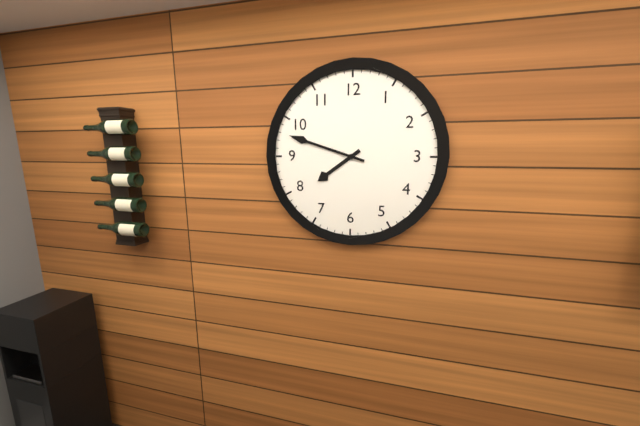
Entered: 7.48
